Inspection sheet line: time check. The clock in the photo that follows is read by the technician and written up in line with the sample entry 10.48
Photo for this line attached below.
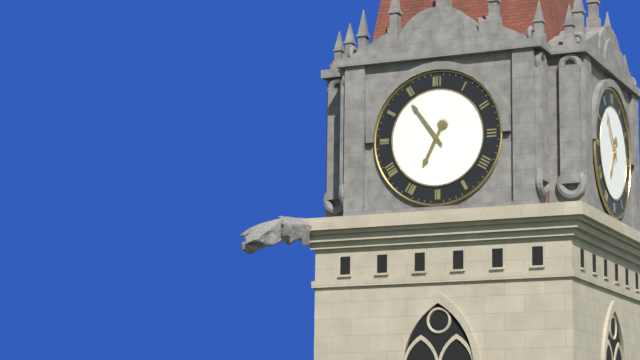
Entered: 6.54
